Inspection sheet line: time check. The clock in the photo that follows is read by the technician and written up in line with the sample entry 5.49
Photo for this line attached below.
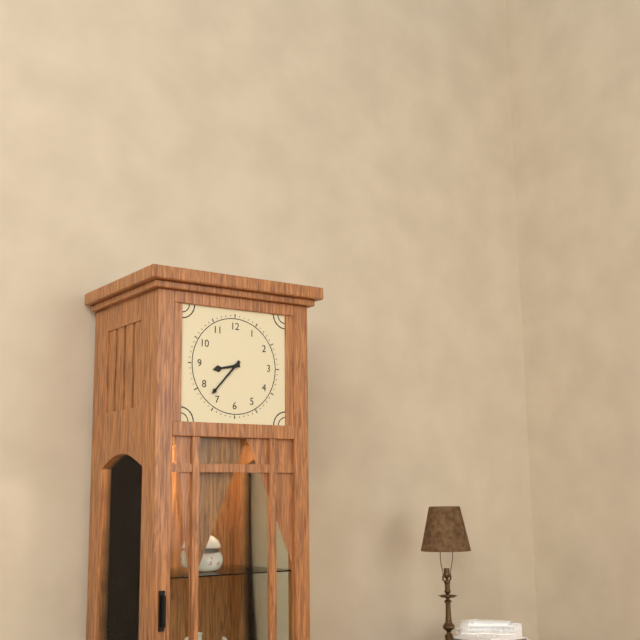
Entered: 8.37
